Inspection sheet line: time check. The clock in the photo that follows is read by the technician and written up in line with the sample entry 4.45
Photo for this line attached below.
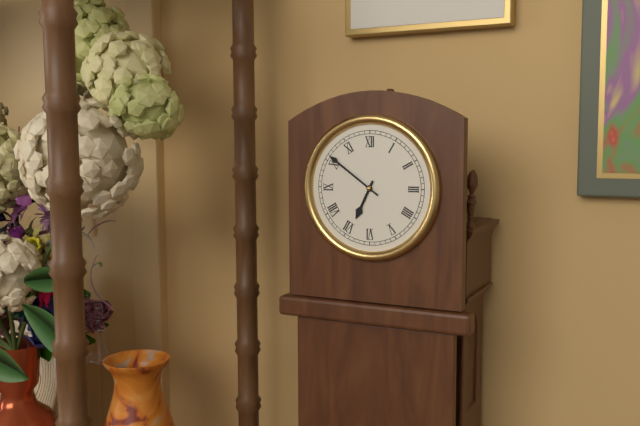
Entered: 6.51
